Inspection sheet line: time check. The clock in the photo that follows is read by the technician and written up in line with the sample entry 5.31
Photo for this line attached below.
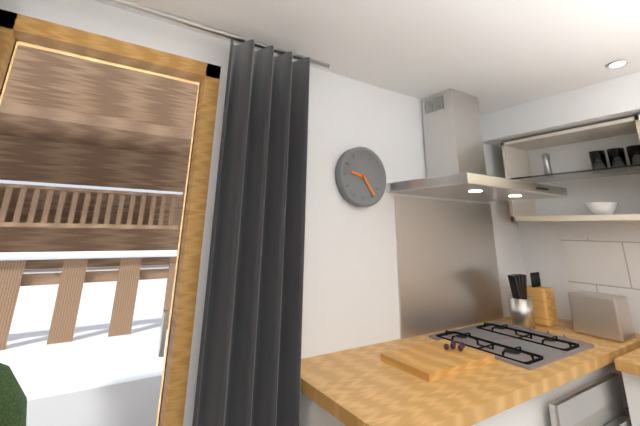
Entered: 9.24
